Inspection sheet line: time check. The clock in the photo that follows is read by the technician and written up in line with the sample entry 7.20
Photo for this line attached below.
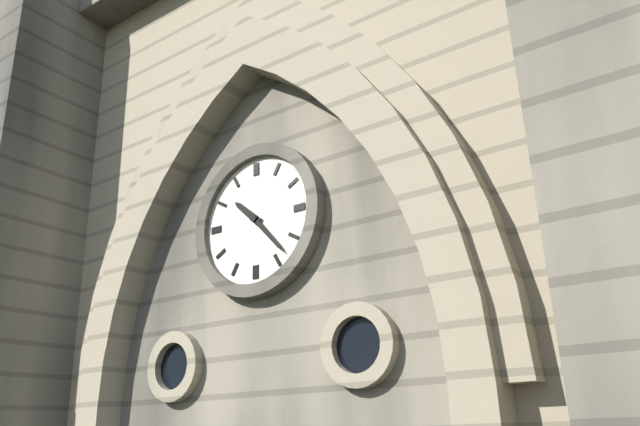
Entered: 10.23
